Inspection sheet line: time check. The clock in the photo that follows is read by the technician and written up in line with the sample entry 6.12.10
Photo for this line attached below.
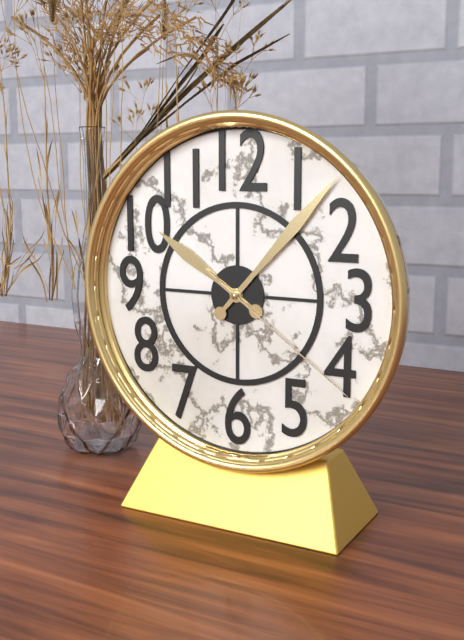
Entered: 10.07.21
